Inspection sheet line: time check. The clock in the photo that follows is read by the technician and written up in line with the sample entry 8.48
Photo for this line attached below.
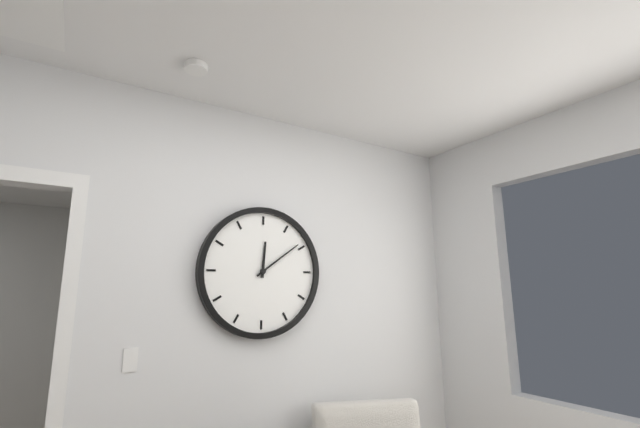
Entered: 12.09
